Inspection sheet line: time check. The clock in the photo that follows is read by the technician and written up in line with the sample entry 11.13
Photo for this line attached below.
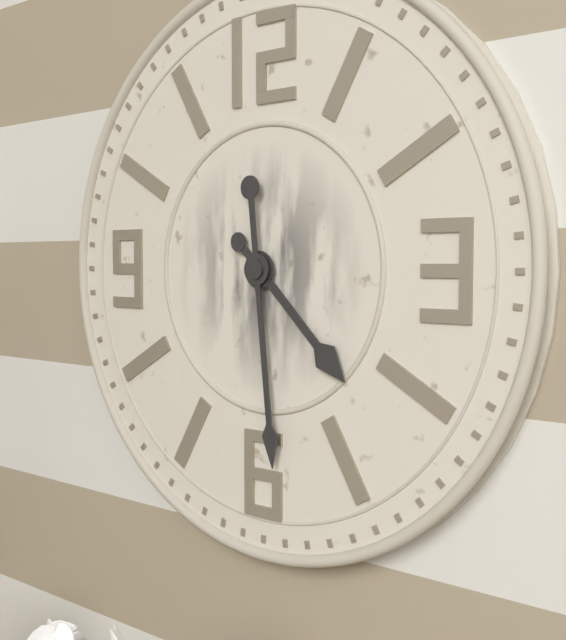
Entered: 4.29
